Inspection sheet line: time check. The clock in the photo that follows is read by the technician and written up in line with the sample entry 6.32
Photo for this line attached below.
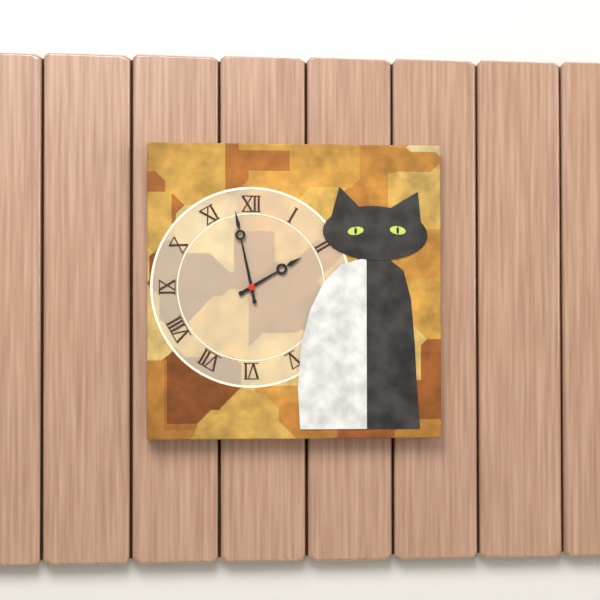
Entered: 1.58
